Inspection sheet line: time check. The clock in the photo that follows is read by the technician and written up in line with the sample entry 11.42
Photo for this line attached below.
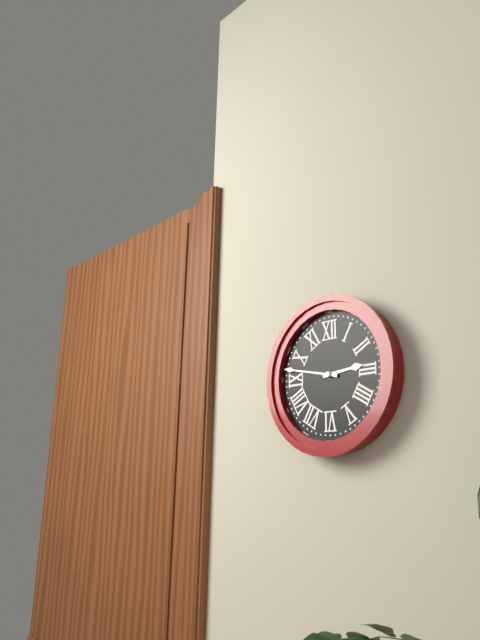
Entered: 2.47
